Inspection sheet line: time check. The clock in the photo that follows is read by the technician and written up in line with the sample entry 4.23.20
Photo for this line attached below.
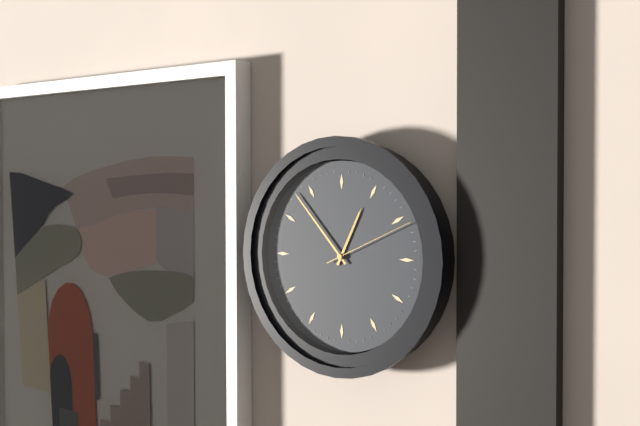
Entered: 12.53.11
